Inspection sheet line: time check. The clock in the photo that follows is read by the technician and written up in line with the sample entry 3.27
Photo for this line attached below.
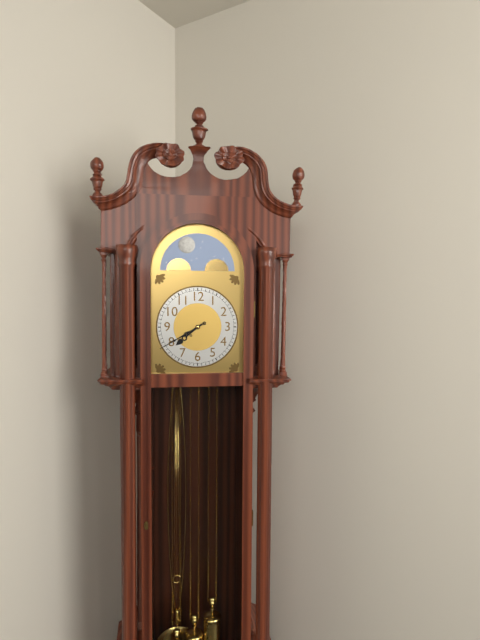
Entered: 7.40
